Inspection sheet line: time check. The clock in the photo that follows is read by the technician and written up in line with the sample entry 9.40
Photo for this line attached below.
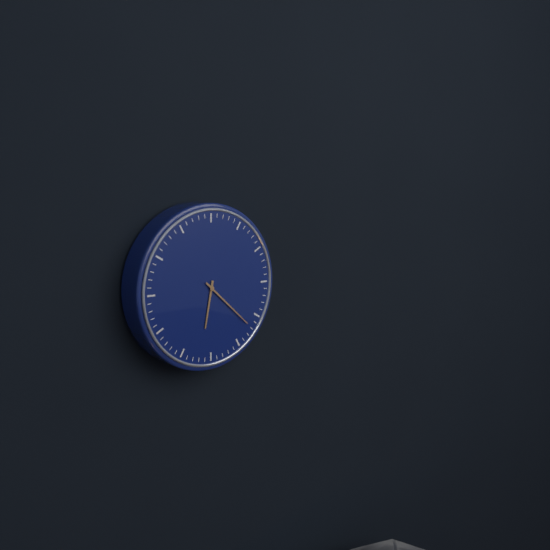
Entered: 6.22
